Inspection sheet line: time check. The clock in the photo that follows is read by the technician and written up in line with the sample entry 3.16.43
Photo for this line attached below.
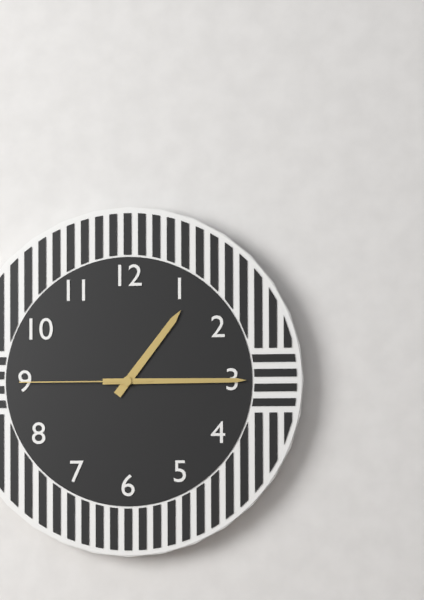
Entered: 1.15.45
